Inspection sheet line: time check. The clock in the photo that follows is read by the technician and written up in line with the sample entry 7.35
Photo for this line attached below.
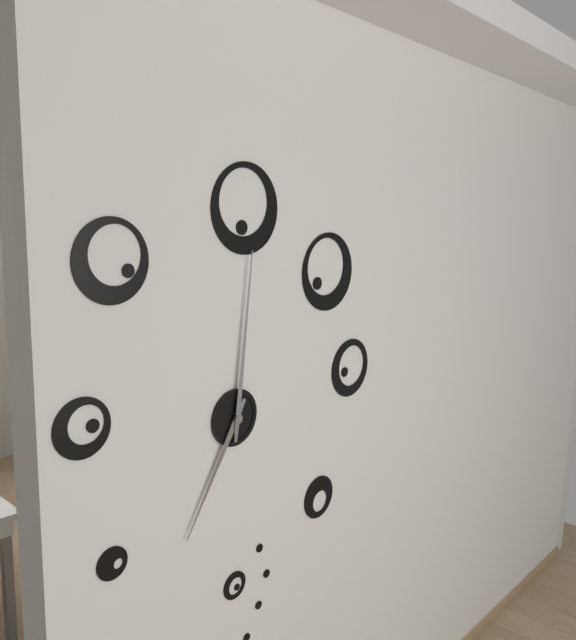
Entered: 7.01
